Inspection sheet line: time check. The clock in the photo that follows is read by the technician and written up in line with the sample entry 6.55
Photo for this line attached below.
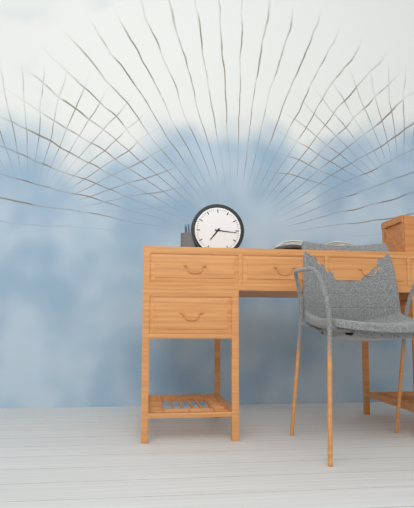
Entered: 7.16
